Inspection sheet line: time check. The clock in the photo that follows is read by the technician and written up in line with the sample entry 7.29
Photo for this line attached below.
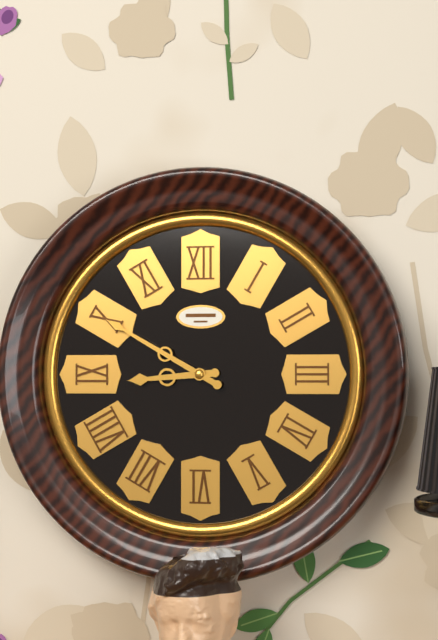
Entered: 8.50
